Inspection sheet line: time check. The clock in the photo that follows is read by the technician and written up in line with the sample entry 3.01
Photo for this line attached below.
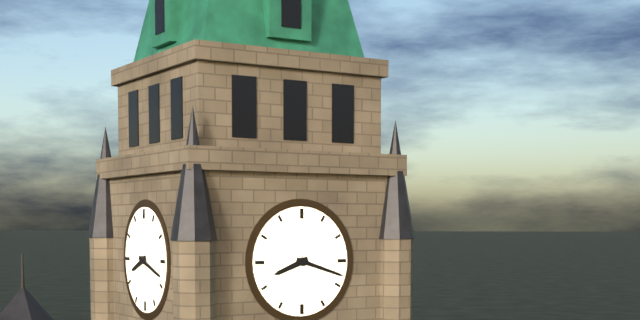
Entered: 8.18
